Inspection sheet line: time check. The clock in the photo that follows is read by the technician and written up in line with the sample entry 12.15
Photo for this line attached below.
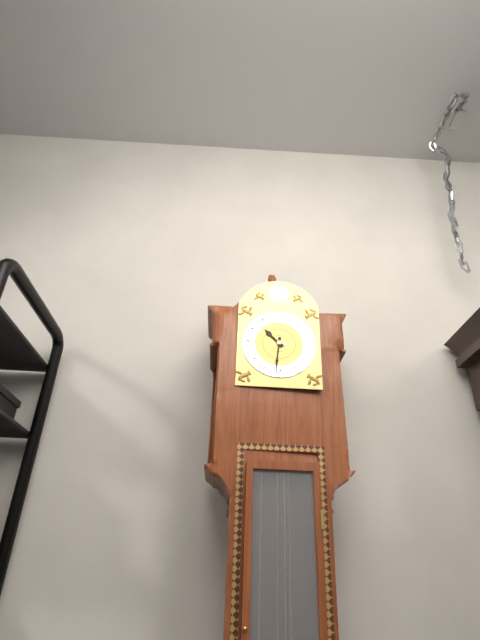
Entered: 10.31
